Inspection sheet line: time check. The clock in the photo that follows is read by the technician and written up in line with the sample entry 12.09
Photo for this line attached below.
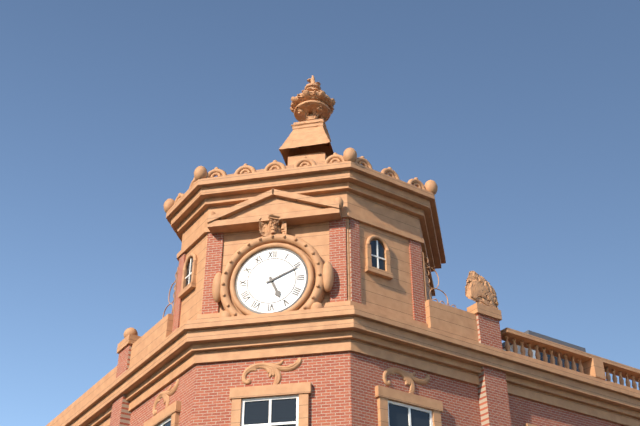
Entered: 5.11
